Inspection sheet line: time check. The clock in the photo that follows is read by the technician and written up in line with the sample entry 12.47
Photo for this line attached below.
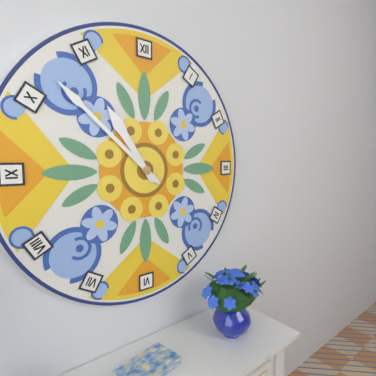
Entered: 10.52
